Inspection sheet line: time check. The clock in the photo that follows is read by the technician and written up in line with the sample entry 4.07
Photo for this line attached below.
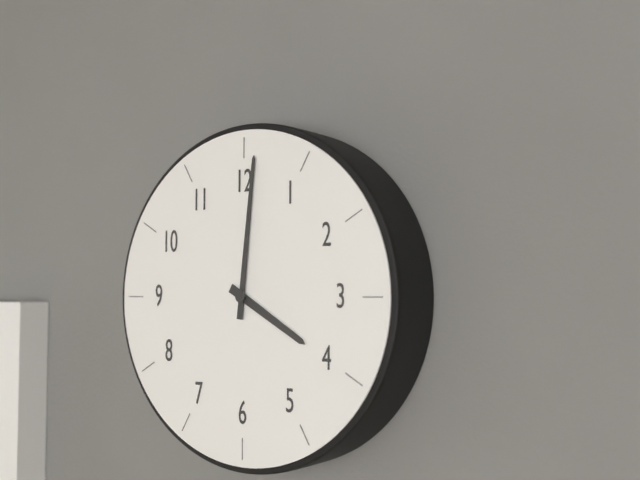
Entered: 4.01
